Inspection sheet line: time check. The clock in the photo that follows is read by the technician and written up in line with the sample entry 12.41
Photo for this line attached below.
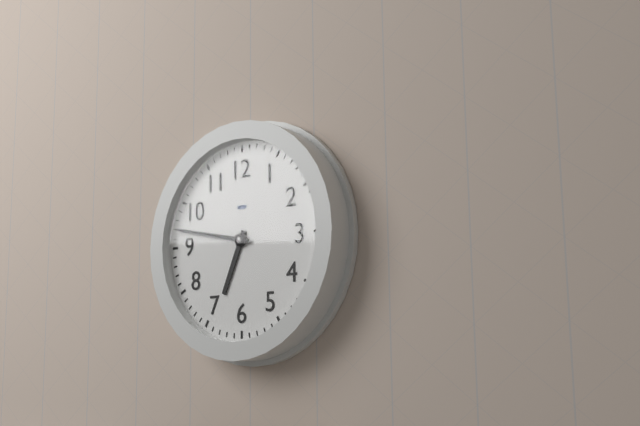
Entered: 6.47
